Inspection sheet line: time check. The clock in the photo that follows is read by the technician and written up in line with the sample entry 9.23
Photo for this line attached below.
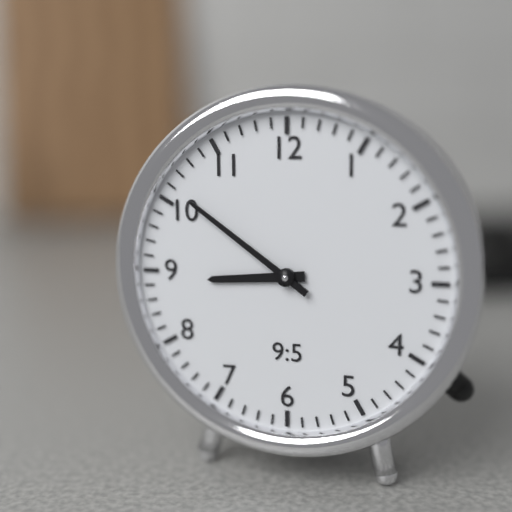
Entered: 8.51
